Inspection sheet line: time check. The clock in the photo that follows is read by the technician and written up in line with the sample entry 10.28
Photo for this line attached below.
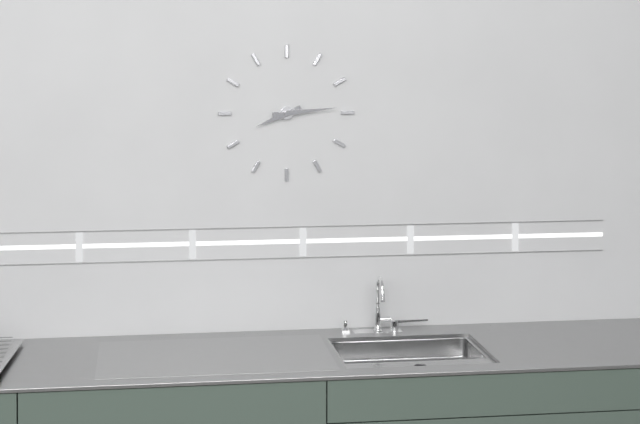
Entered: 8.14
